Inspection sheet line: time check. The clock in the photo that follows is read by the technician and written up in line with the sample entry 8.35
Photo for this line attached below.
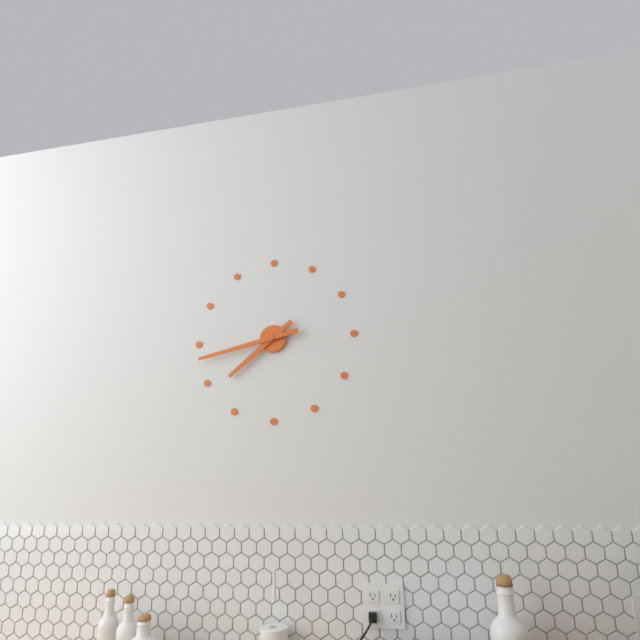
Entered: 7.43
